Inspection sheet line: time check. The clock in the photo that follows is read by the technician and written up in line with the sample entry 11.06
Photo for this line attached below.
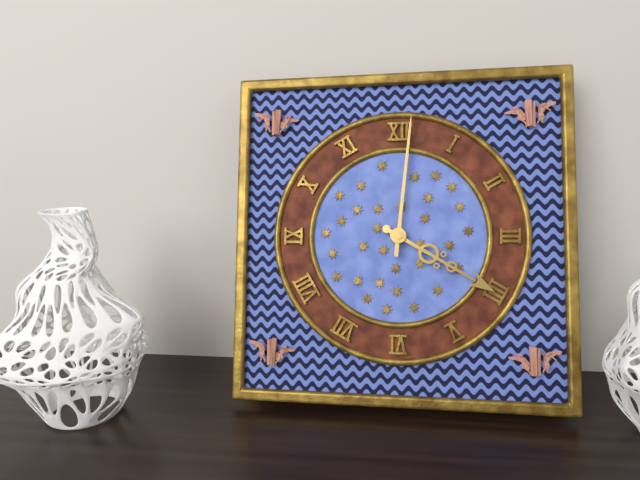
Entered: 4.01
